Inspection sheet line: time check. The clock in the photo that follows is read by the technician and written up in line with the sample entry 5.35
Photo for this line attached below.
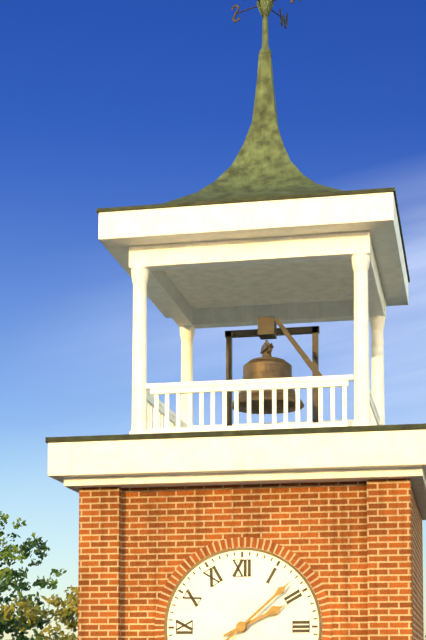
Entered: 2.08
